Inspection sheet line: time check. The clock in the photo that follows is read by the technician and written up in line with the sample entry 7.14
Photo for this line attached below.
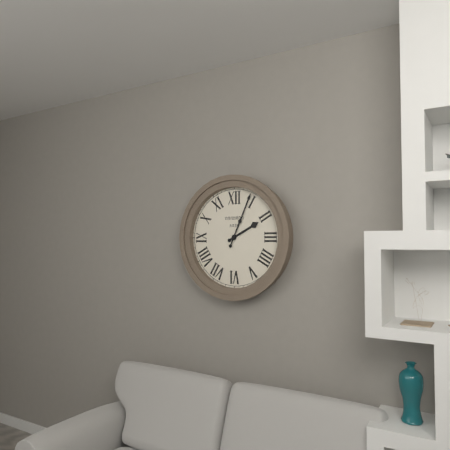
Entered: 2.04
